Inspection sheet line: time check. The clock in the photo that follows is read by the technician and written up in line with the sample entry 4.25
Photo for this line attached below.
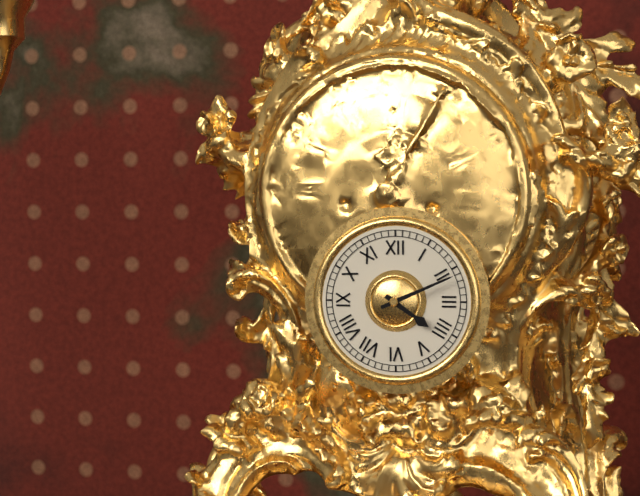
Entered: 4.11
